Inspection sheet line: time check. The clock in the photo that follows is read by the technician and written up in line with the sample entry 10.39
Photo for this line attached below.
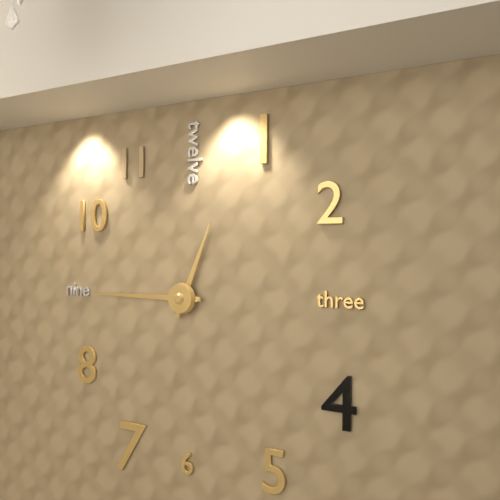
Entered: 12.45
